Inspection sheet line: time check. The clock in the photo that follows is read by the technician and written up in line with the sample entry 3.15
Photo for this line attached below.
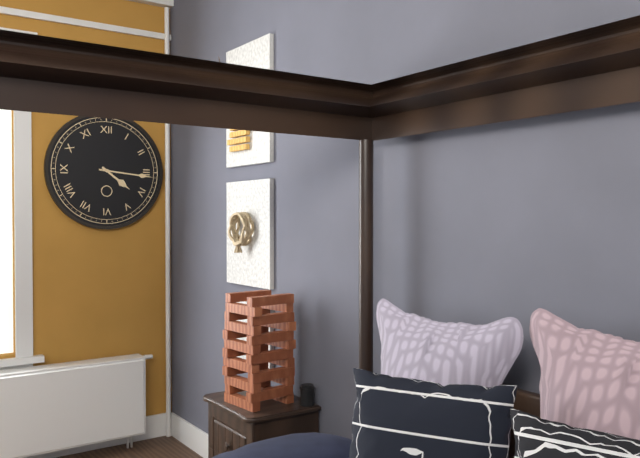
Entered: 4.16
